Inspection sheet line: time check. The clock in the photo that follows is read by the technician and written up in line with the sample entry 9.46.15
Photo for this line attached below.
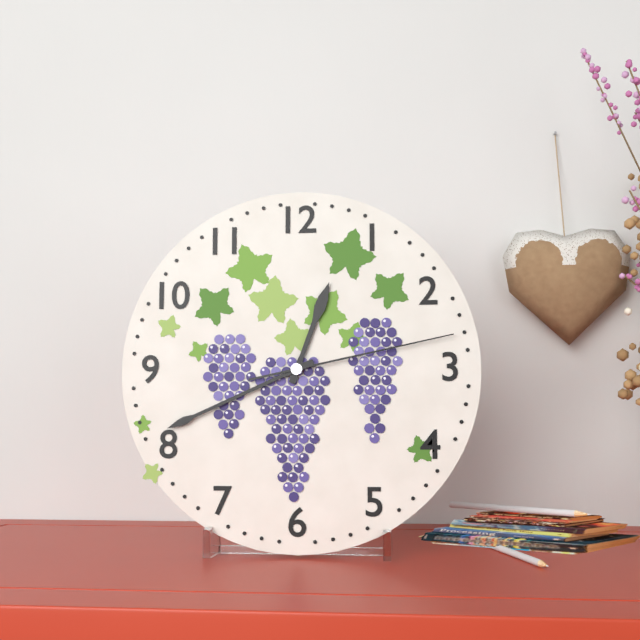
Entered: 12.41.13
